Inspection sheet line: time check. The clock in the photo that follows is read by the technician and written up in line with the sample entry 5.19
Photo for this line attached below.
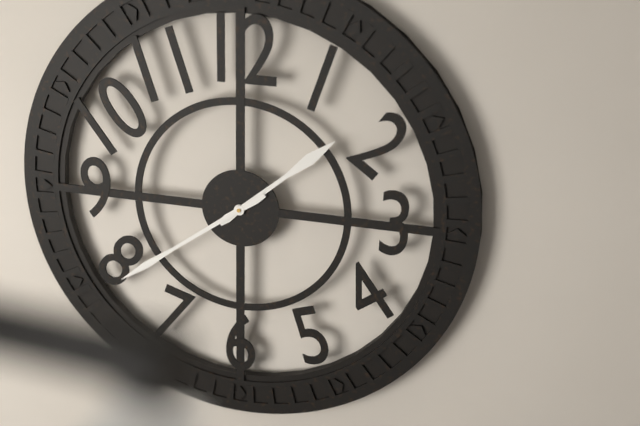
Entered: 1.39
